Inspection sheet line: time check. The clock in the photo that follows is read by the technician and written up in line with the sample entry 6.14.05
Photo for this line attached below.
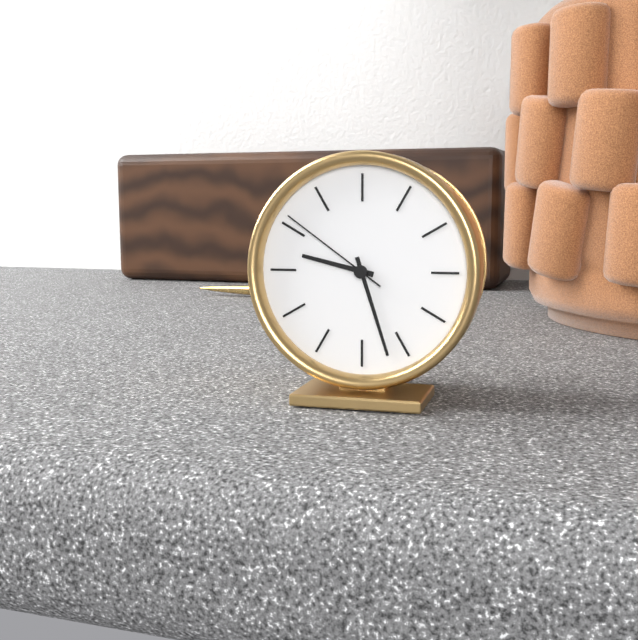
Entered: 9.27.51
